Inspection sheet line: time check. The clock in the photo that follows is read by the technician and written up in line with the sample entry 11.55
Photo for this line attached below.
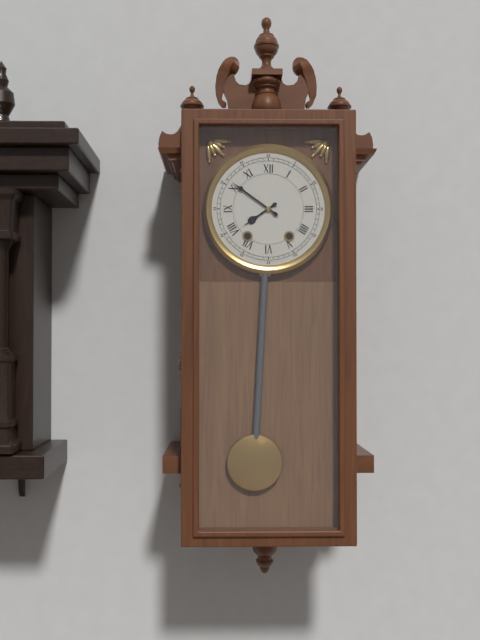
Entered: 7.51
